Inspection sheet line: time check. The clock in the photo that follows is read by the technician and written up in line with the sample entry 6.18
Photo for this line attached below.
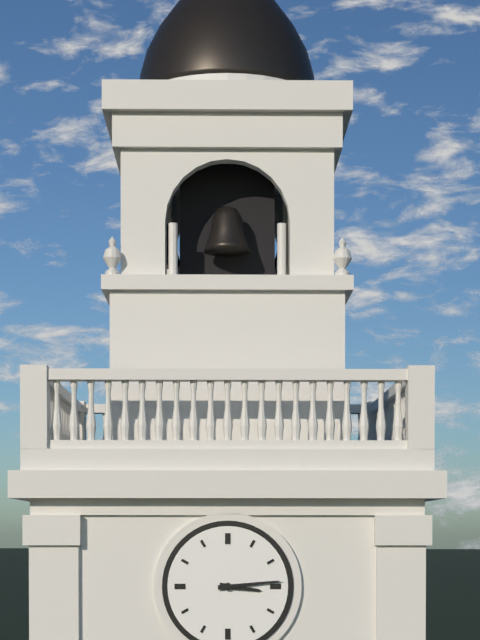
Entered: 3.14
